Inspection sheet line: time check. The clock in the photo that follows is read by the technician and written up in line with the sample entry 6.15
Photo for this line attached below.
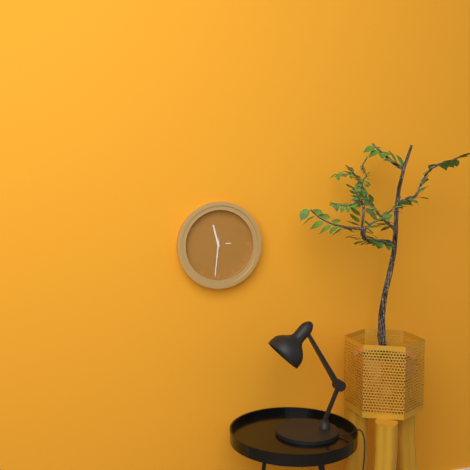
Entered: 11.31
